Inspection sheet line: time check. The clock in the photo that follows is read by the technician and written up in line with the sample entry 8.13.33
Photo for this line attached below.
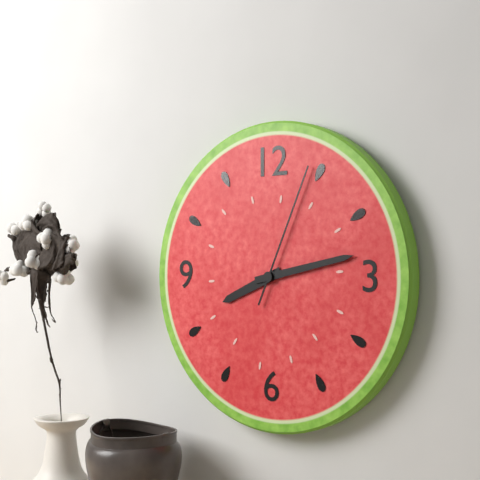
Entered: 8.13.04
